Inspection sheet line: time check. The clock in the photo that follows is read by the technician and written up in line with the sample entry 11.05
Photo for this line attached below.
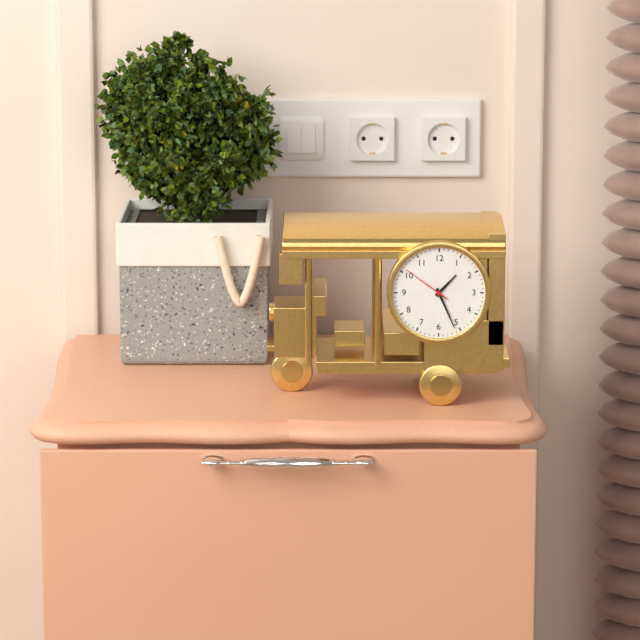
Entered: 1.26
